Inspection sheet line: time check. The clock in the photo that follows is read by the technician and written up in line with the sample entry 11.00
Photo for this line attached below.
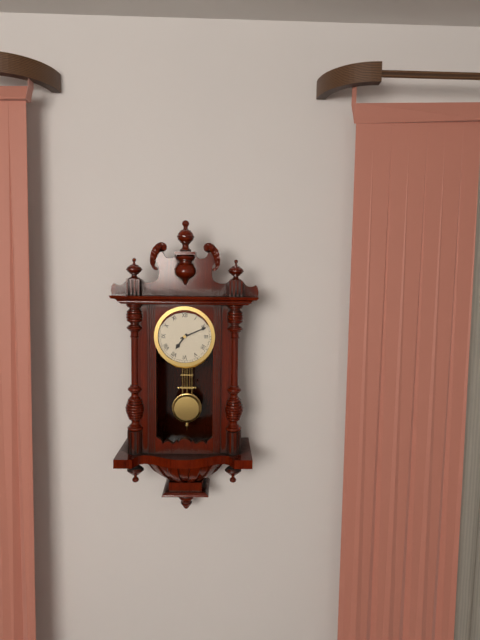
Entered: 7.11
